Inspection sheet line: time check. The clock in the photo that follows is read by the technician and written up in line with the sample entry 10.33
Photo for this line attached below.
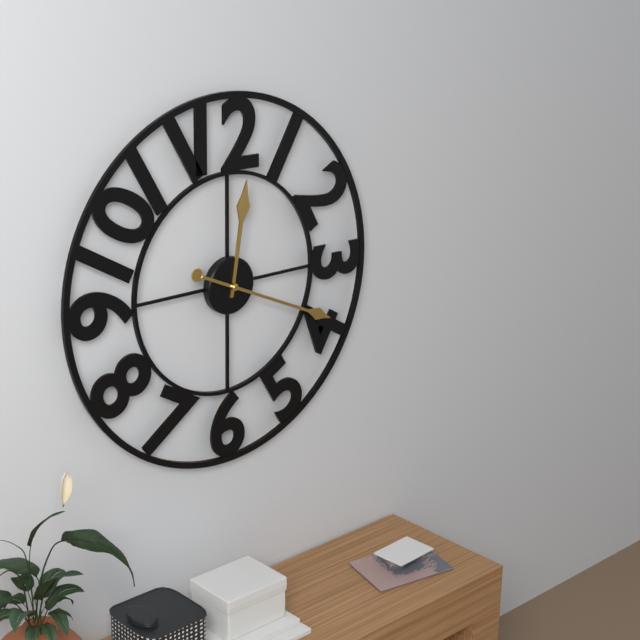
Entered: 12.19
